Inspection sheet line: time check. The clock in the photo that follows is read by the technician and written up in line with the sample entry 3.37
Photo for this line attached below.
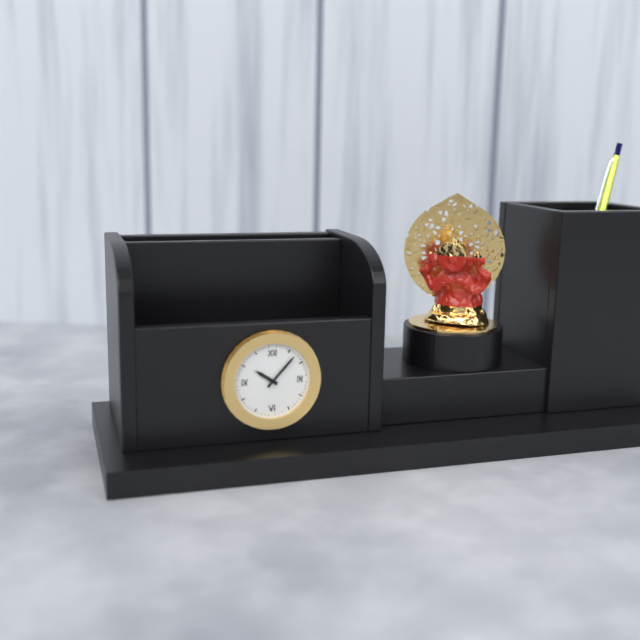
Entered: 10.07
